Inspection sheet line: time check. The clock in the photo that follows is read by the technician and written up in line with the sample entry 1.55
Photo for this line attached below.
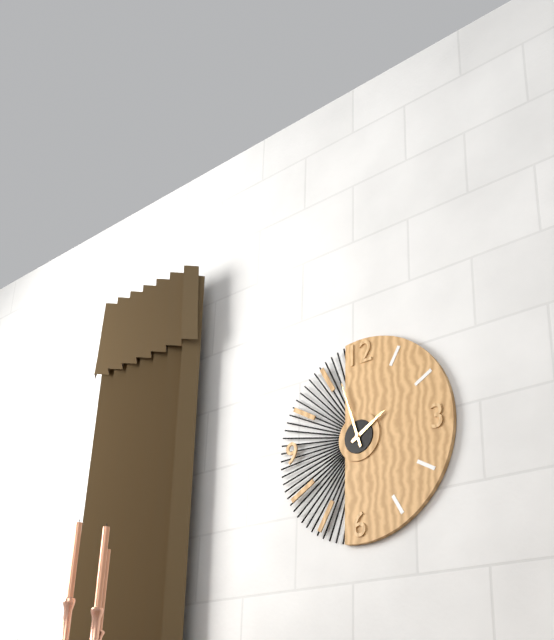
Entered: 1.57
